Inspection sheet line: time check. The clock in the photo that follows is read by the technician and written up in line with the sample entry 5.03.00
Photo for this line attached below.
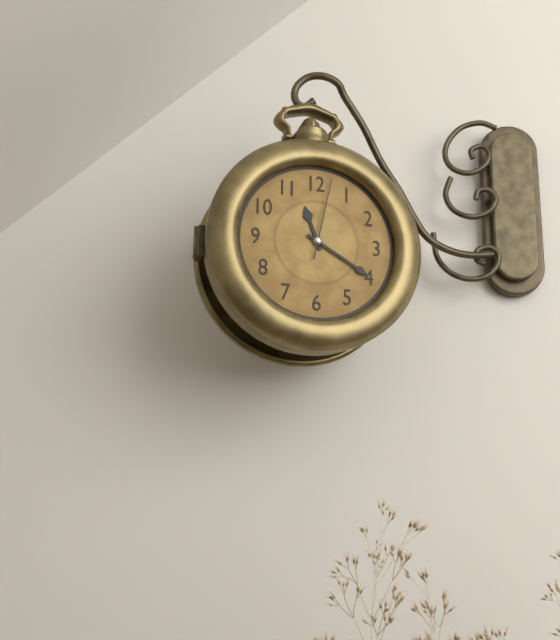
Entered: 11.20.02
